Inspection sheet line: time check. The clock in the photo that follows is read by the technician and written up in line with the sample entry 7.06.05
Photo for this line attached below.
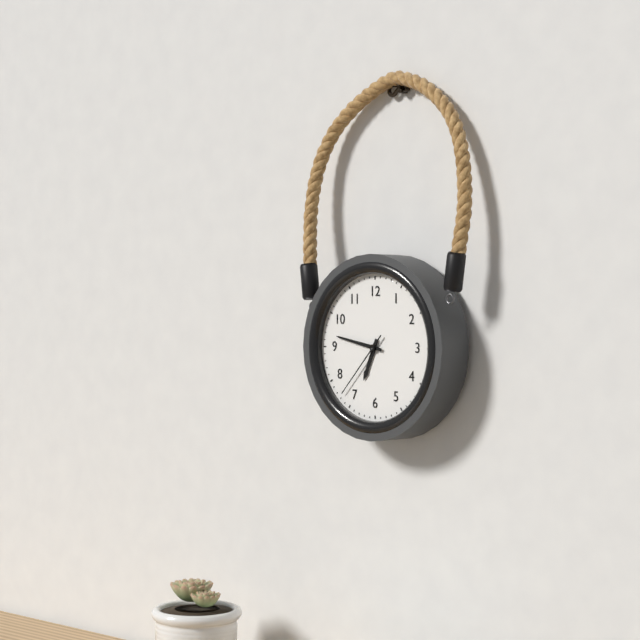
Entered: 6.47.37
